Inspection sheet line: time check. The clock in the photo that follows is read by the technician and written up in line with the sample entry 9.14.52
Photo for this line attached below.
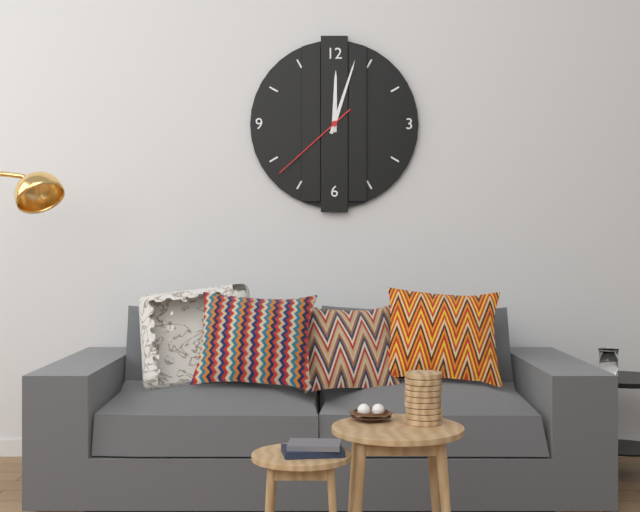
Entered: 12.03.38
